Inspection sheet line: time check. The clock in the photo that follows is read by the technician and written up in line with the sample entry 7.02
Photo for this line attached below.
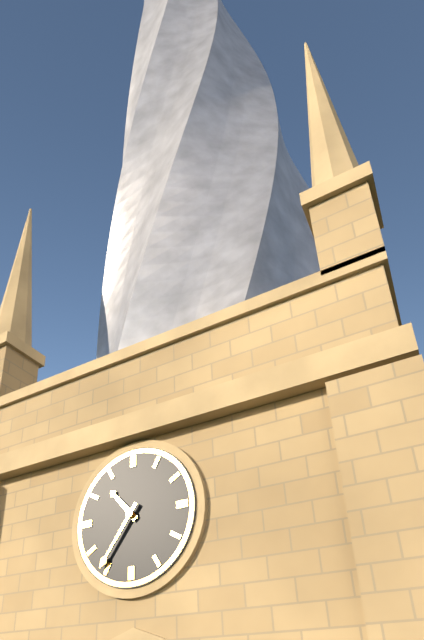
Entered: 10.36
